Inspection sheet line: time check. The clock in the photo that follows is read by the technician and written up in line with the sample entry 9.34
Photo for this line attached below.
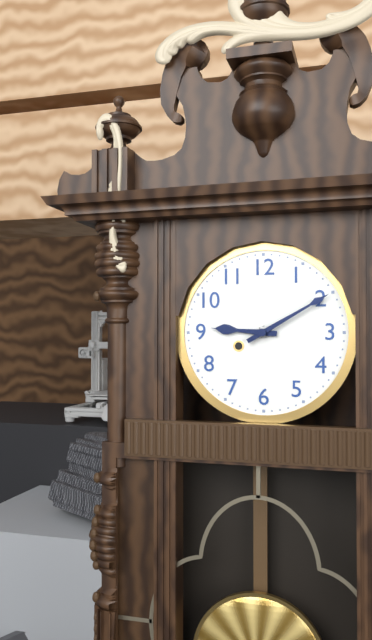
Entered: 9.10
